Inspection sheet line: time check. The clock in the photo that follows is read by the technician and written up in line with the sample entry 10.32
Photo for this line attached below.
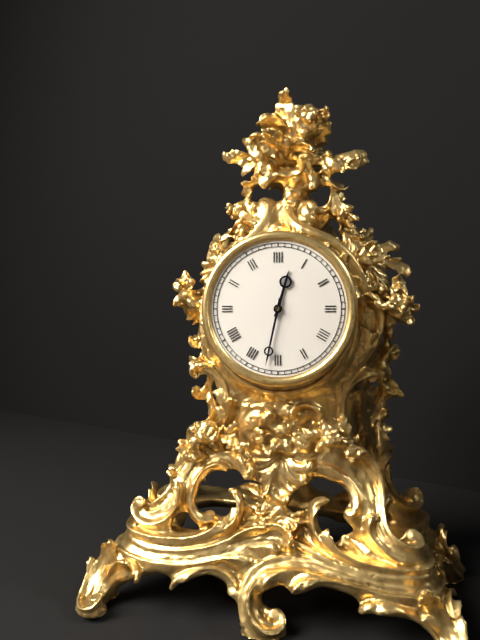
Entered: 12.32
